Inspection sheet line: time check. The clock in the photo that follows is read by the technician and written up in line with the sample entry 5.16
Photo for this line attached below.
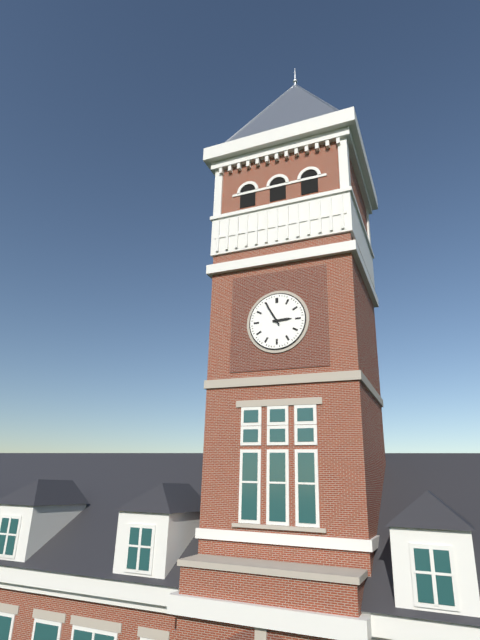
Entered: 2.55
